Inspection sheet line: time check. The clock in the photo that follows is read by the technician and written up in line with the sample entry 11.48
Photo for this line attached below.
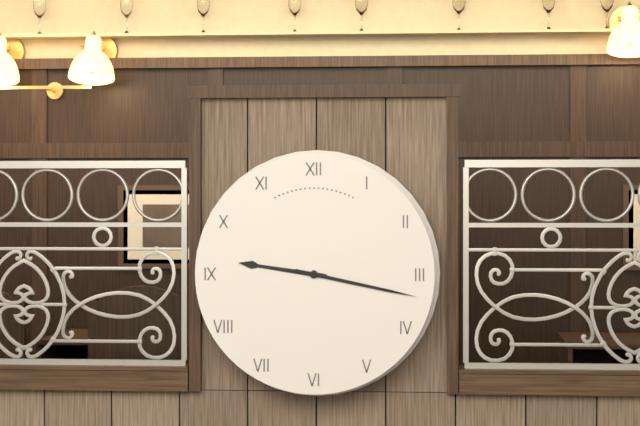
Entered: 9.17
